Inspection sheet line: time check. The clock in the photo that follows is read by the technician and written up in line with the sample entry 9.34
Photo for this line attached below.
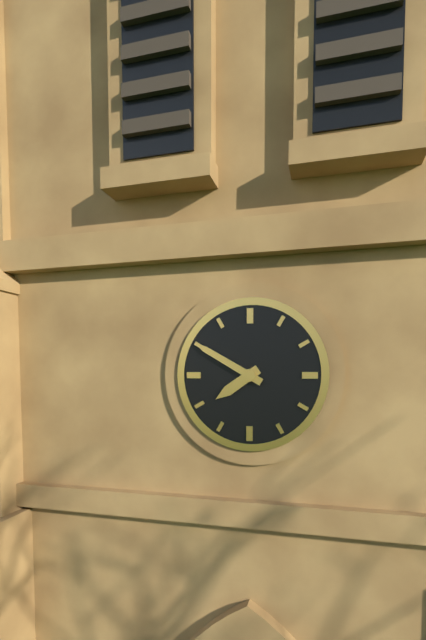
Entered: 7.50
